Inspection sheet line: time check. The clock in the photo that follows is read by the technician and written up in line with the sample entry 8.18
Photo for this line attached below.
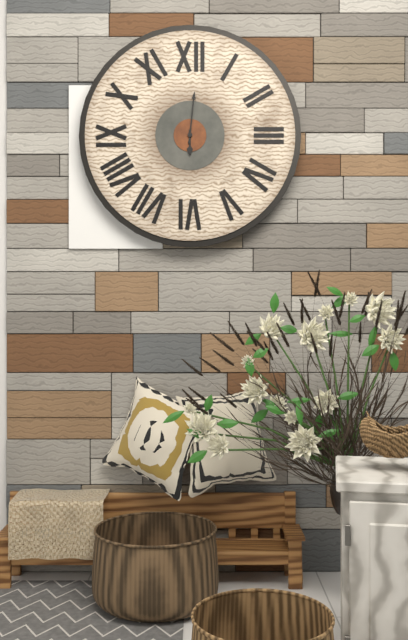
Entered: 6.01
